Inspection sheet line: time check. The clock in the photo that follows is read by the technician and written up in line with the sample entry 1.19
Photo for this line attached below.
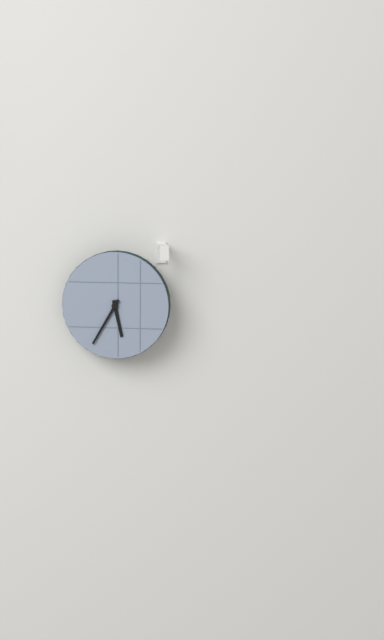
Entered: 5.35
